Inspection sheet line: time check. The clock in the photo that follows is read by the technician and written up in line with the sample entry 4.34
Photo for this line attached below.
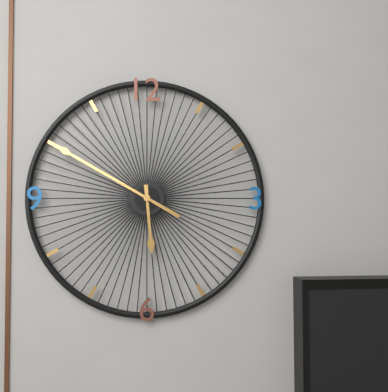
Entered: 5.50
